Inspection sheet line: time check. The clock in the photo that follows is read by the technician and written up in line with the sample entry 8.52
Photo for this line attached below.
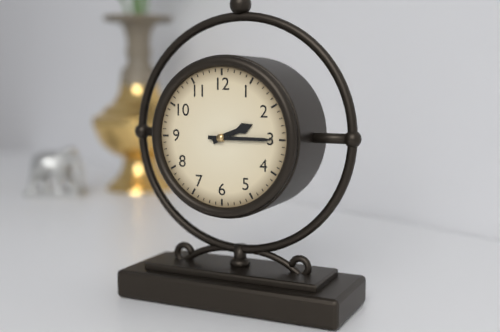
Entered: 2.15
